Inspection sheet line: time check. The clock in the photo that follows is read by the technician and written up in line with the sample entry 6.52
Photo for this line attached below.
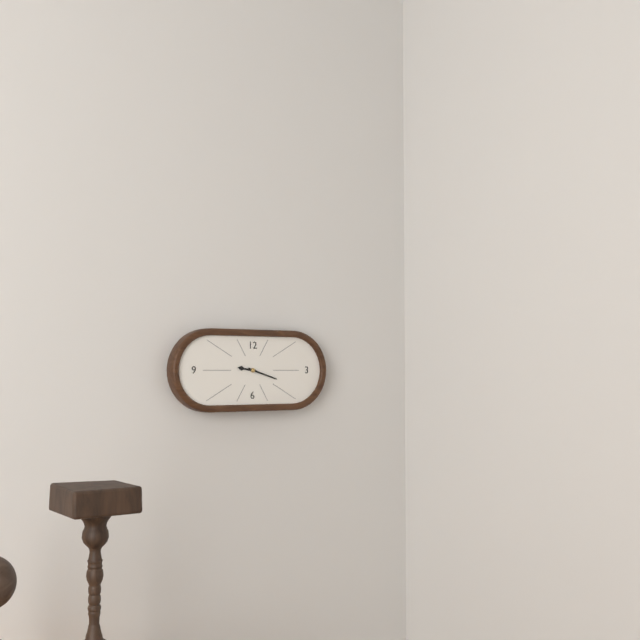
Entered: 9.18
